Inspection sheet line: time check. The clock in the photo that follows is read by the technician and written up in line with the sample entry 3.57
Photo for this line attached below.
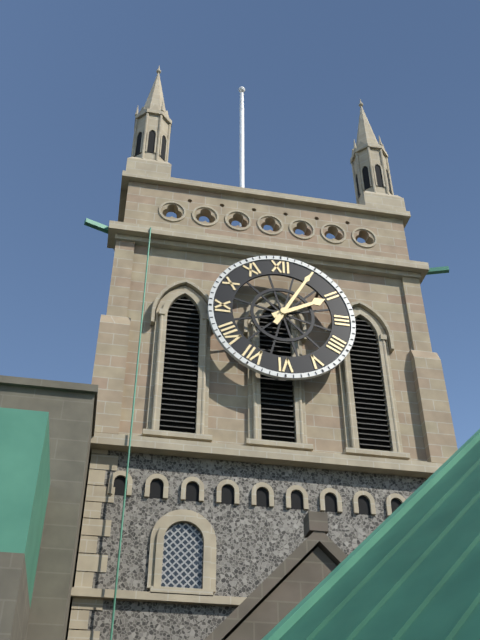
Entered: 2.05
